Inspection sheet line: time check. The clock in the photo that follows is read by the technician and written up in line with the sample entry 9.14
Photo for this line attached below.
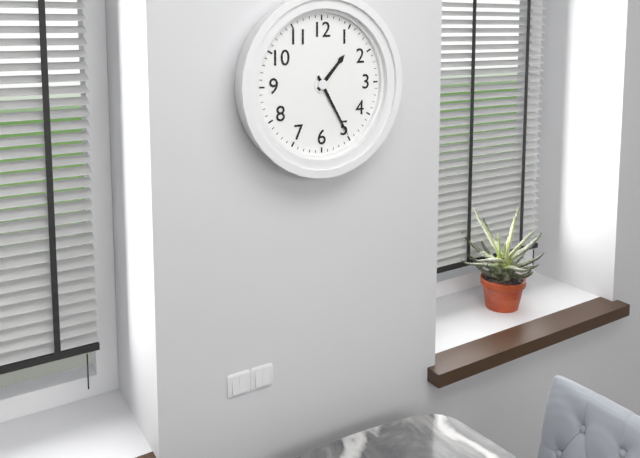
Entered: 1.25
